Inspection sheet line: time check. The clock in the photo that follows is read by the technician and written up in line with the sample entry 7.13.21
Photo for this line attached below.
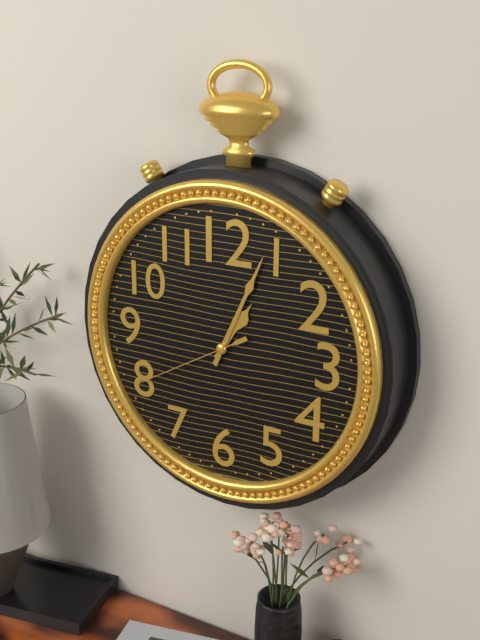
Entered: 1.04.40
